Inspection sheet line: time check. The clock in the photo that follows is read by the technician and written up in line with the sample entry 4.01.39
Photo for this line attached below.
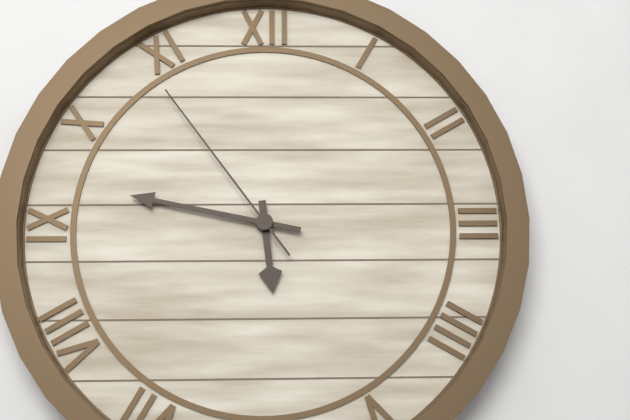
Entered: 5.47.54
